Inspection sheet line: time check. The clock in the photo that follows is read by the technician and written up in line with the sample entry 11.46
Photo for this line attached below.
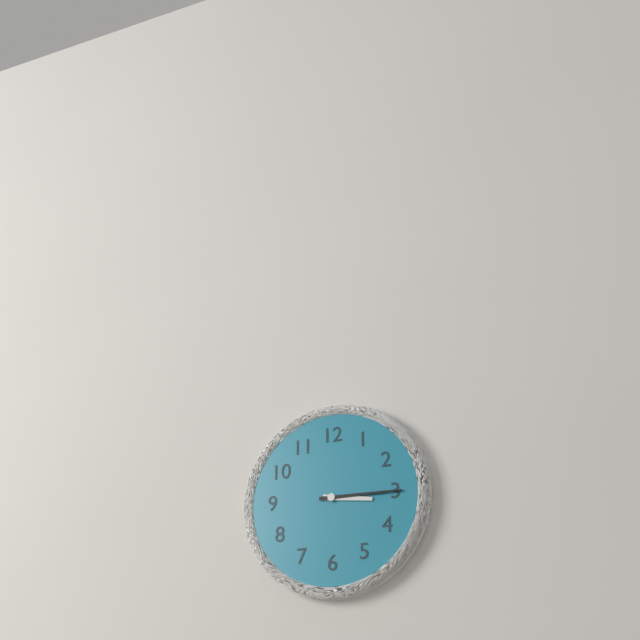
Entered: 3.15
